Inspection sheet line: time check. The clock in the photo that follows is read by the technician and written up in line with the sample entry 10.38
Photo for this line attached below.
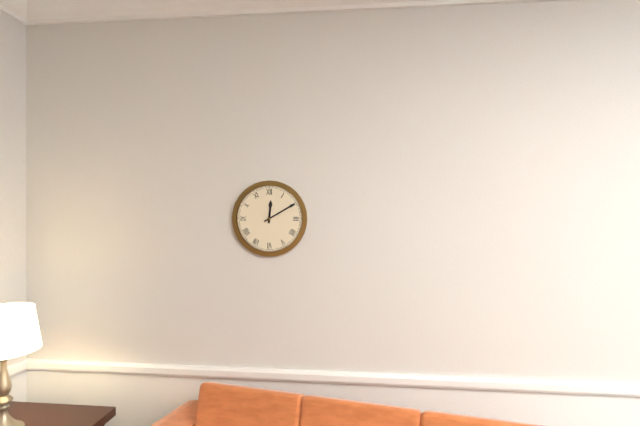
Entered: 12.10
